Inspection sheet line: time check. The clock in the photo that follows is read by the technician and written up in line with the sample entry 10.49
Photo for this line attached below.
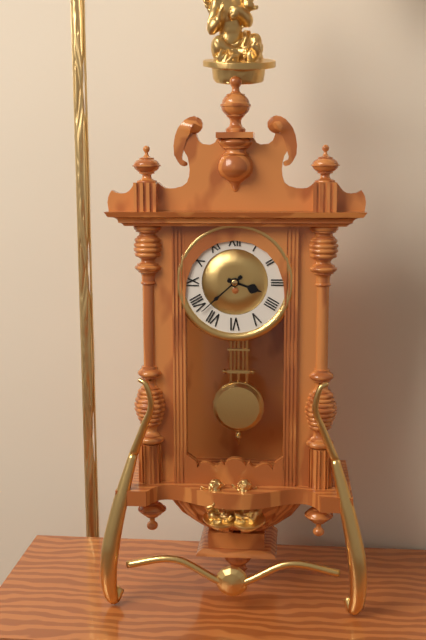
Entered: 3.38
